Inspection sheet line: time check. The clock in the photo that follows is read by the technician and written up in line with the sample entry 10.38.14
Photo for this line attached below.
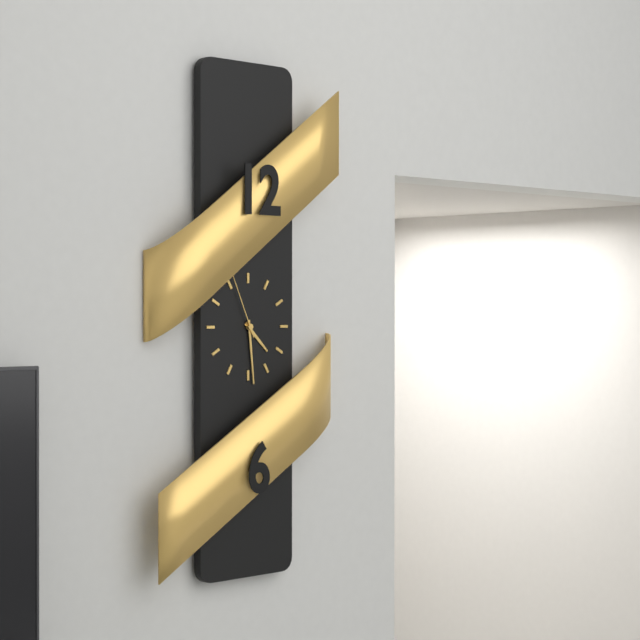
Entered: 4.29.56
